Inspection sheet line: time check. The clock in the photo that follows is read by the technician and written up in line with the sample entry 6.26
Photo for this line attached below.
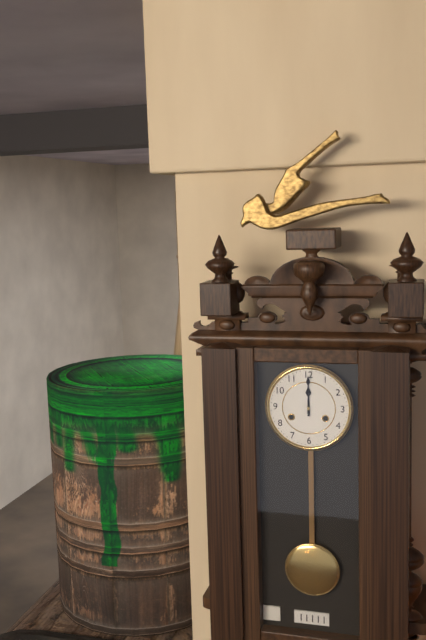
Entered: 12.00
